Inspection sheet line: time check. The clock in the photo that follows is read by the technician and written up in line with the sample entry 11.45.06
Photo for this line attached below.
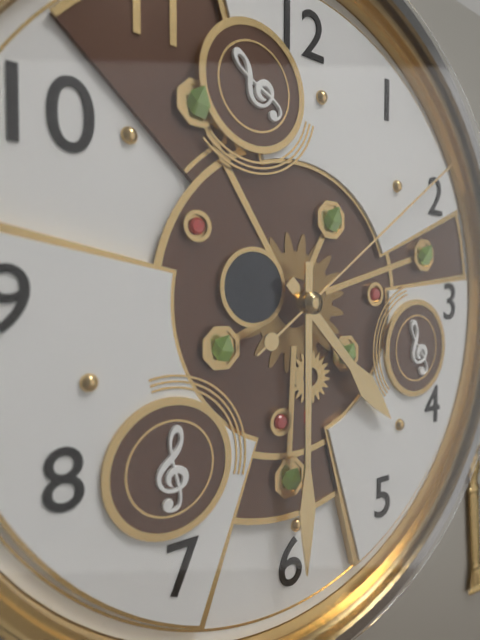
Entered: 4.30.09
